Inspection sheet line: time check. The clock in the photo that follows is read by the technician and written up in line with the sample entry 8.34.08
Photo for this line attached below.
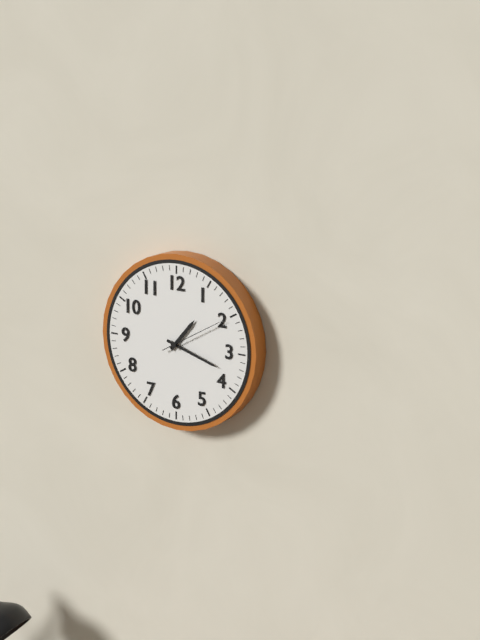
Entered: 1.18.10
